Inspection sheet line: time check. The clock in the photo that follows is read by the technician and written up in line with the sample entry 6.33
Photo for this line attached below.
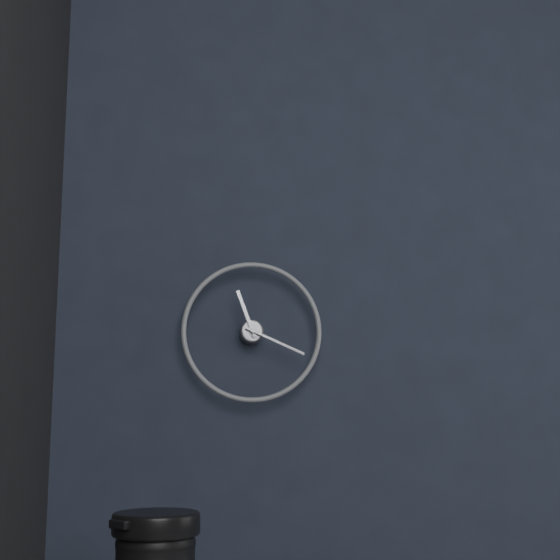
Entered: 11.19
